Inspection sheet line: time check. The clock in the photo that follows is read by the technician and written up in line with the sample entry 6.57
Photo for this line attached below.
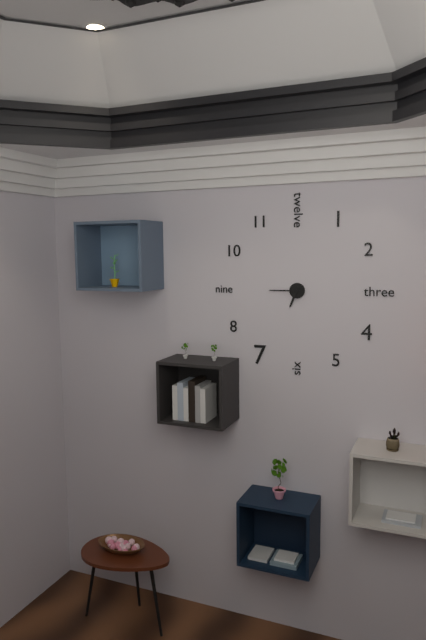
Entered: 6.45
